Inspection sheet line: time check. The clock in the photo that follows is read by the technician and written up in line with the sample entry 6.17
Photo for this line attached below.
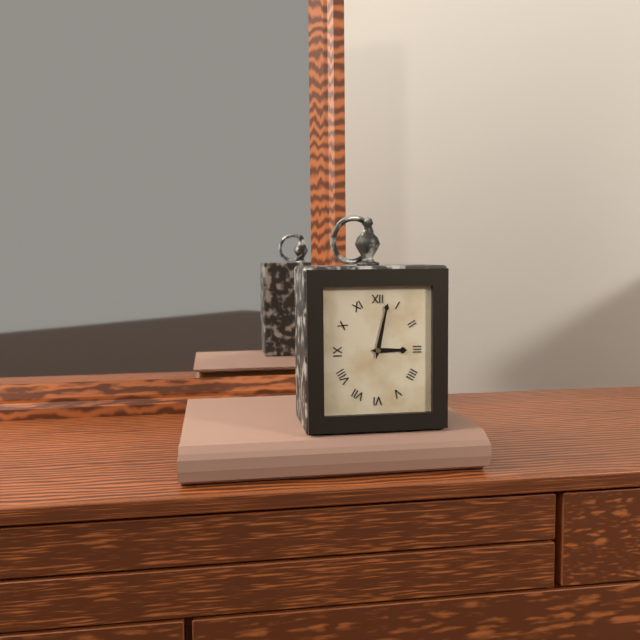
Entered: 3.02
